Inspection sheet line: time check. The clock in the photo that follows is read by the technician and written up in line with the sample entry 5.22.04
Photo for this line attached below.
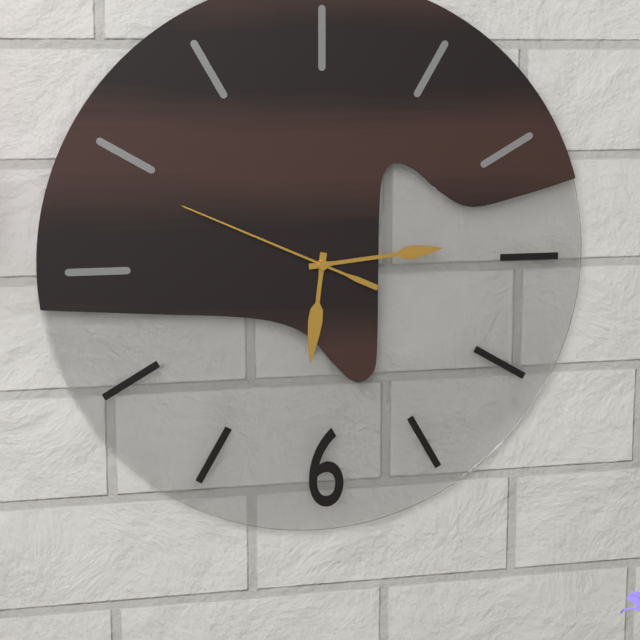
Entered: 6.14.49
